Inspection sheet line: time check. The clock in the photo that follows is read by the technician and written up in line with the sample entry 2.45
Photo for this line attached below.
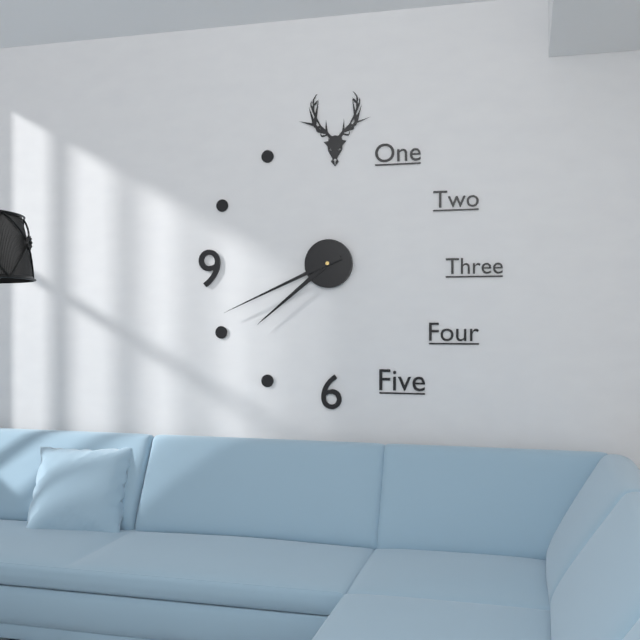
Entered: 7.41
